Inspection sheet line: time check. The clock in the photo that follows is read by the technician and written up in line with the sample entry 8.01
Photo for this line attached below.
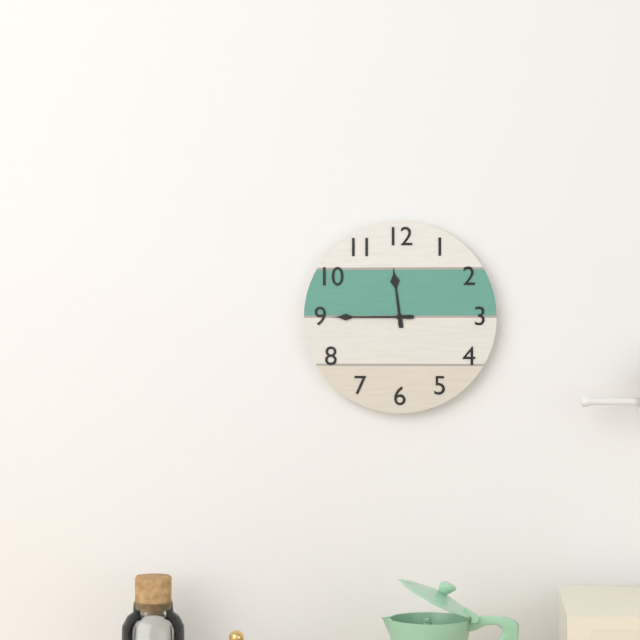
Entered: 11.45
